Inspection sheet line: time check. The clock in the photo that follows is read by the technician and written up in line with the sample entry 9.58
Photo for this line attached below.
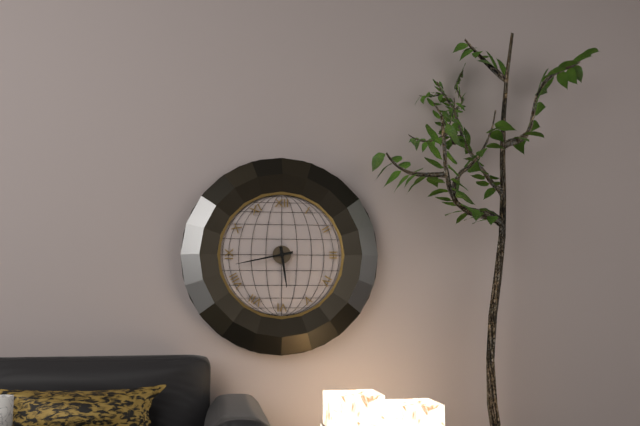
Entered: 5.43
